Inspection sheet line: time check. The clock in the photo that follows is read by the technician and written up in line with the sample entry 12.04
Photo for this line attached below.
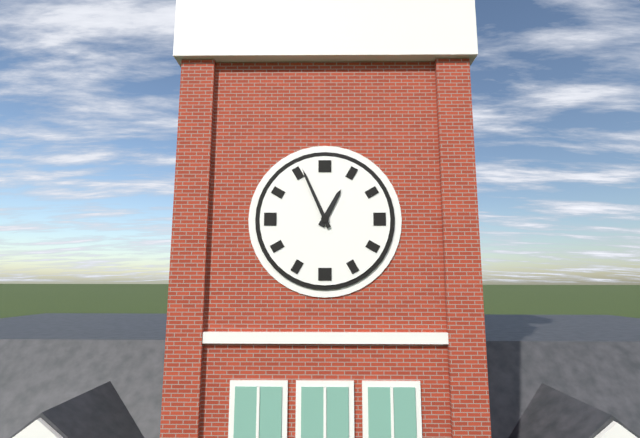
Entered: 12.56
